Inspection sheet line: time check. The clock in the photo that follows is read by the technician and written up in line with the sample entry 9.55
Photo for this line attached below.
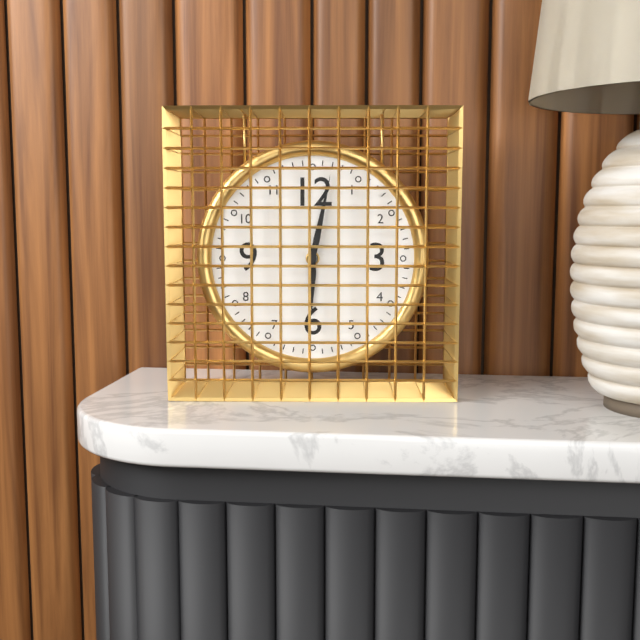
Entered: 6.02
